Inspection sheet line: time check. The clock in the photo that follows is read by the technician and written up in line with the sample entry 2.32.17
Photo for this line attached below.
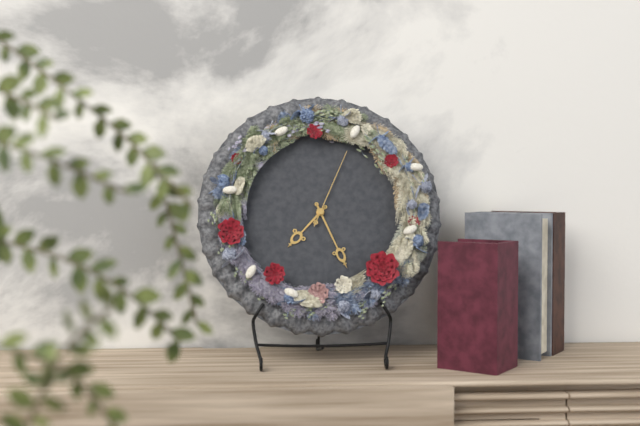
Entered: 7.26.04
